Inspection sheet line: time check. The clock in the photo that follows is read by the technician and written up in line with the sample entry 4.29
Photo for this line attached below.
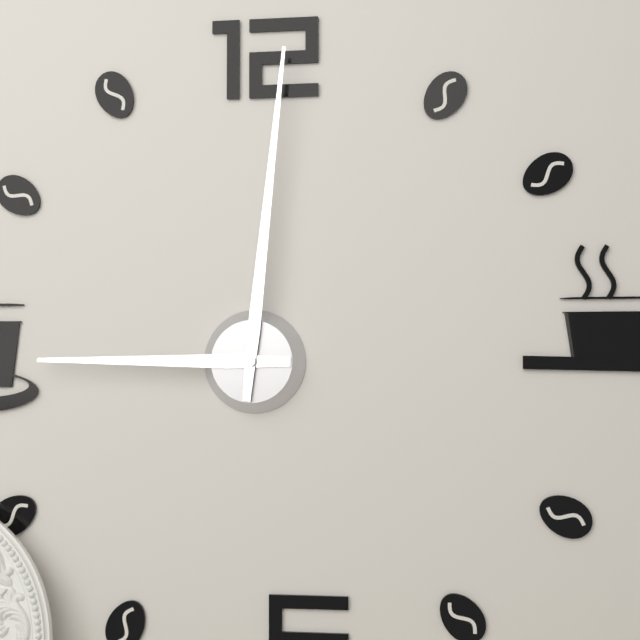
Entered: 9.01
